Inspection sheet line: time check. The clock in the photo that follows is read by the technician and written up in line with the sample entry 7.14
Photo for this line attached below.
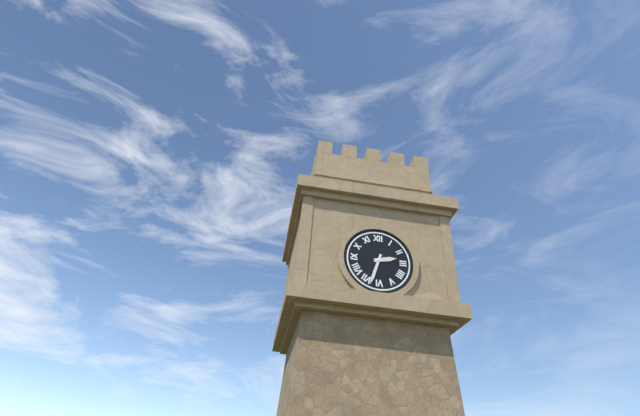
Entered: 2.33
